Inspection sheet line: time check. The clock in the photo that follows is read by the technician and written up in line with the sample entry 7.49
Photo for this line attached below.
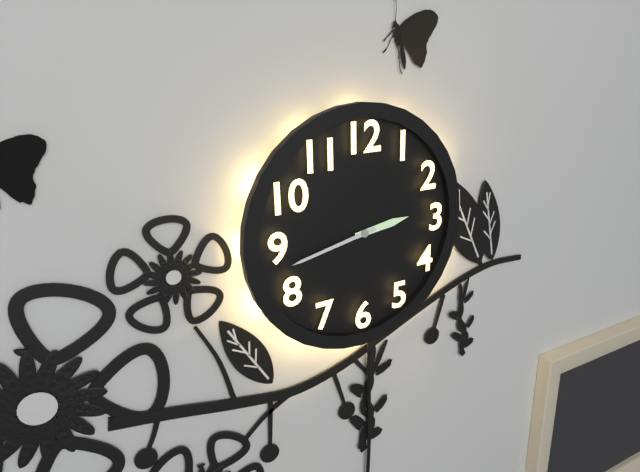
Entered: 2.43
